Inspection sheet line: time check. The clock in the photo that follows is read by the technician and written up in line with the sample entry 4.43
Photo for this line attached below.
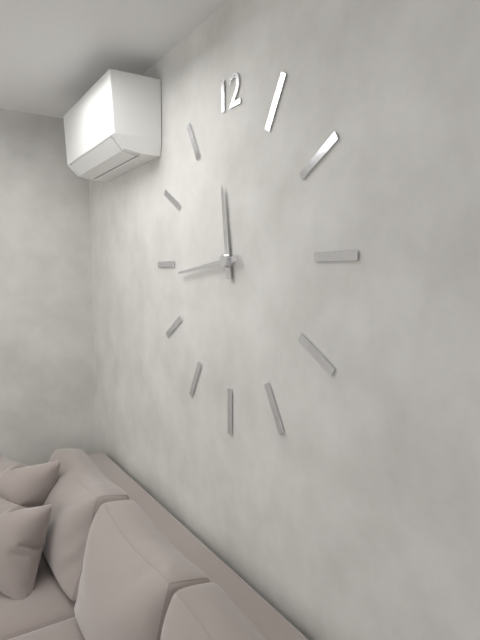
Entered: 11.44
